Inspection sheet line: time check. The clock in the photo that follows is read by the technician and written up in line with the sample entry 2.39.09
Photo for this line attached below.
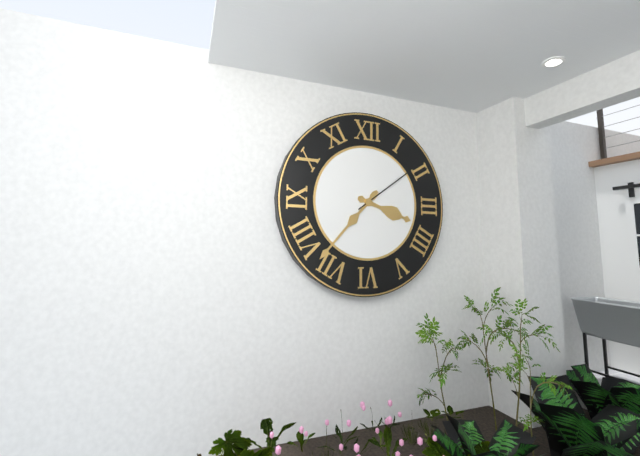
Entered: 3.37.09
